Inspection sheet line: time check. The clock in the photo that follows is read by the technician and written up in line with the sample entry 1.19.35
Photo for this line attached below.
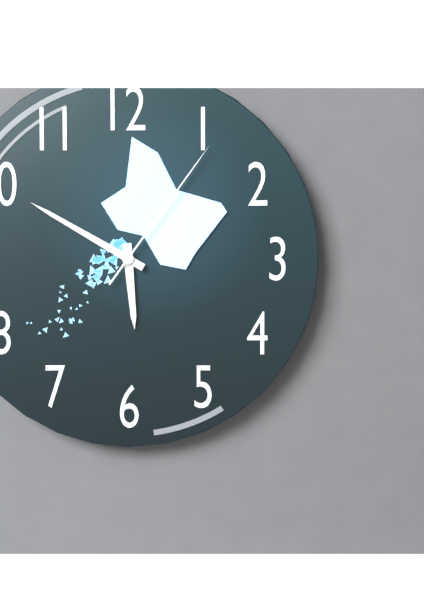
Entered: 5.50.06
